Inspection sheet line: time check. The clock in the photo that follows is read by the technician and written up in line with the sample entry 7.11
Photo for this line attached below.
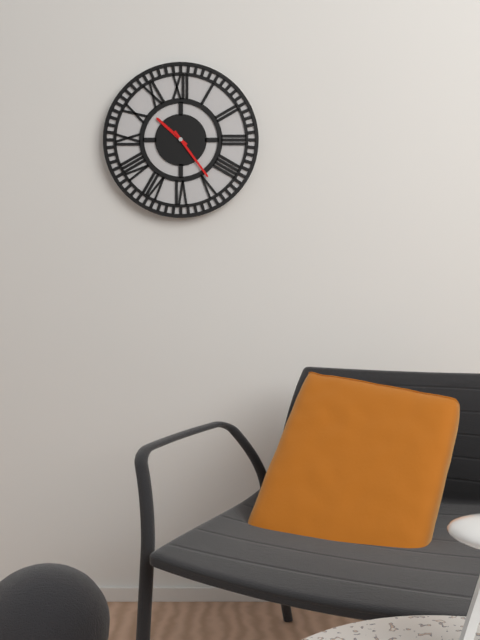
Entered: 10.24
